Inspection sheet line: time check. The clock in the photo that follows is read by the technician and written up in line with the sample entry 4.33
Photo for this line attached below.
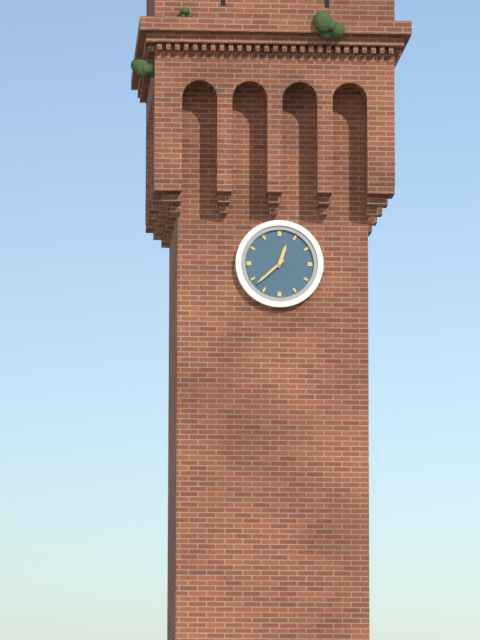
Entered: 12.38
